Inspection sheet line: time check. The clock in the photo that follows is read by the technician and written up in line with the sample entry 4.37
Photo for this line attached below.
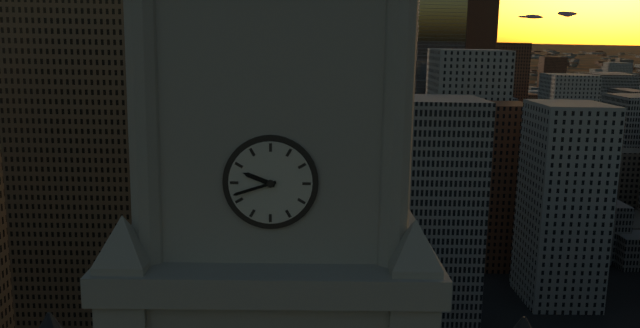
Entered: 9.42
